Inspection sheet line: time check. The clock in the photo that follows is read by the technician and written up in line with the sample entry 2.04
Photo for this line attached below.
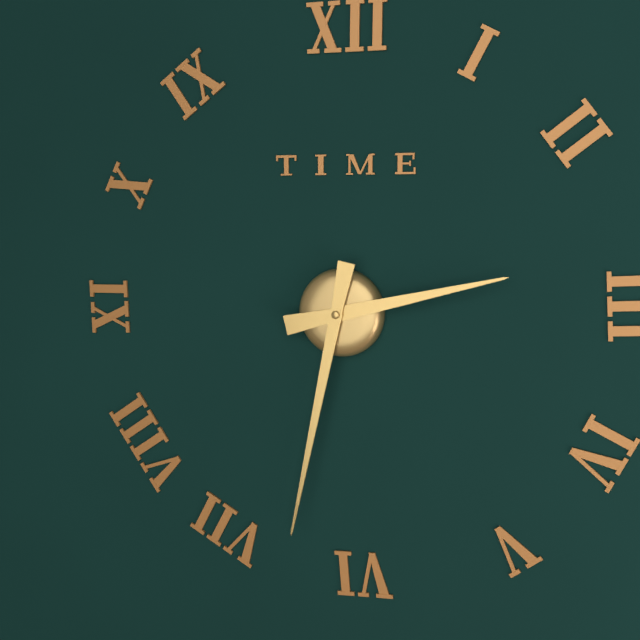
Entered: 2.32
